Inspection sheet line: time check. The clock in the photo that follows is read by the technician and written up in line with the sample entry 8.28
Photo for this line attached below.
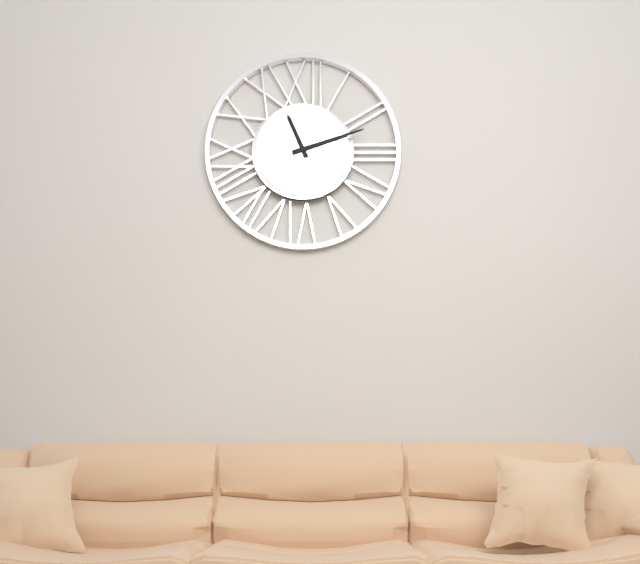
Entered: 11.12
